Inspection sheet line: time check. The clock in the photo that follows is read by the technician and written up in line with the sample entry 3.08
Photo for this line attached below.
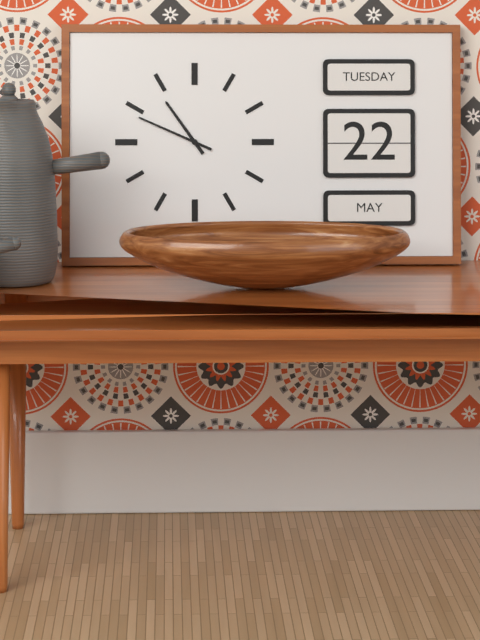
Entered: 10.49
